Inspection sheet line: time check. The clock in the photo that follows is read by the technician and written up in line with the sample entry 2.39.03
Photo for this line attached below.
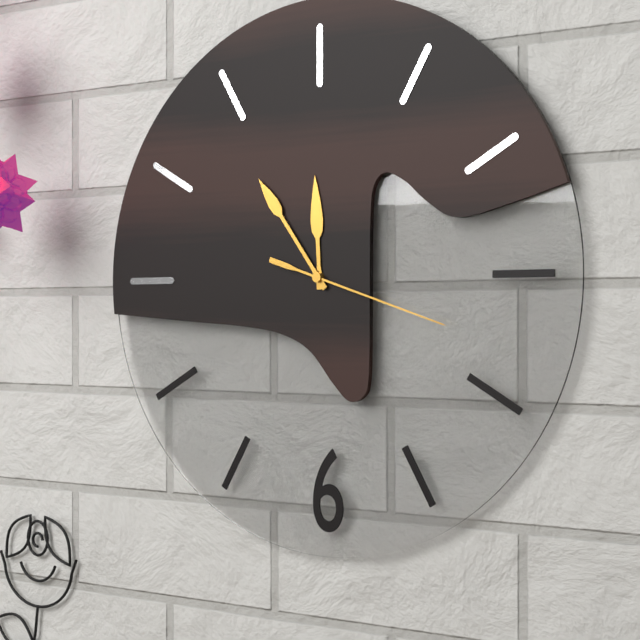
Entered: 11.54.18
